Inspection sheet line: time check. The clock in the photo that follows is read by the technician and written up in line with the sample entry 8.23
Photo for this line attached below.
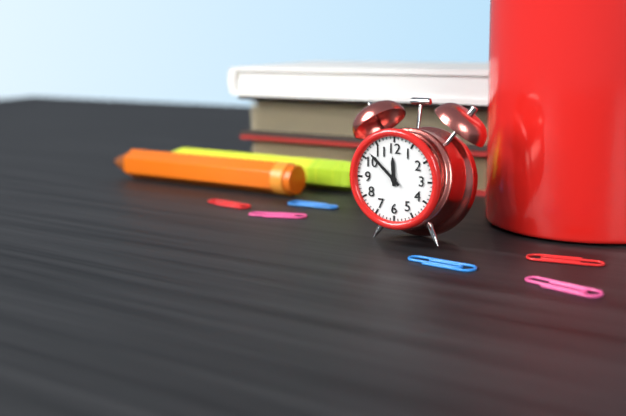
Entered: 11.52
